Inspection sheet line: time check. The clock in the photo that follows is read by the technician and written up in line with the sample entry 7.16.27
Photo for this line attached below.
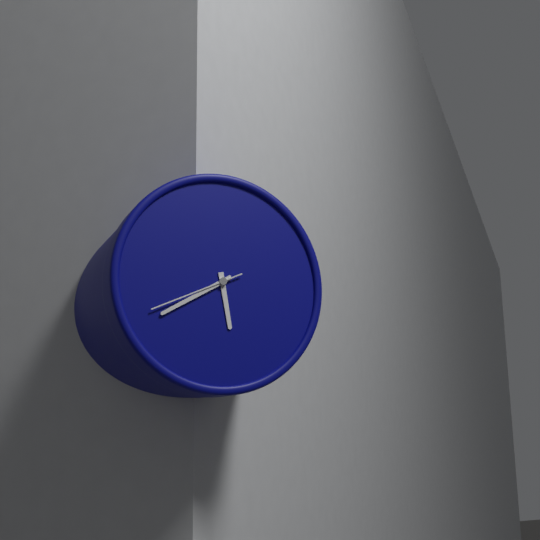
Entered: 5.40.41
